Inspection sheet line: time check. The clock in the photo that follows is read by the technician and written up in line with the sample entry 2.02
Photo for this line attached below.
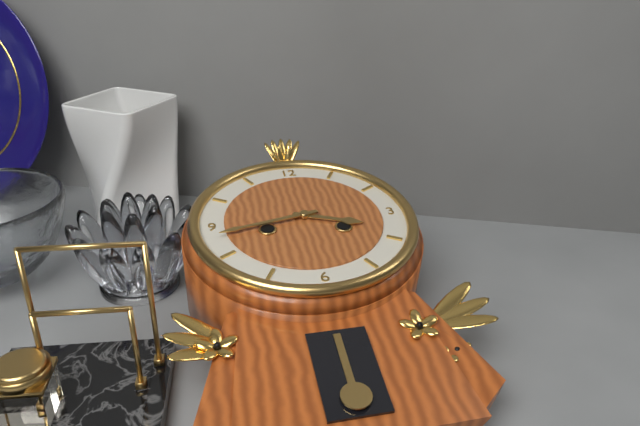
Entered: 3.43
